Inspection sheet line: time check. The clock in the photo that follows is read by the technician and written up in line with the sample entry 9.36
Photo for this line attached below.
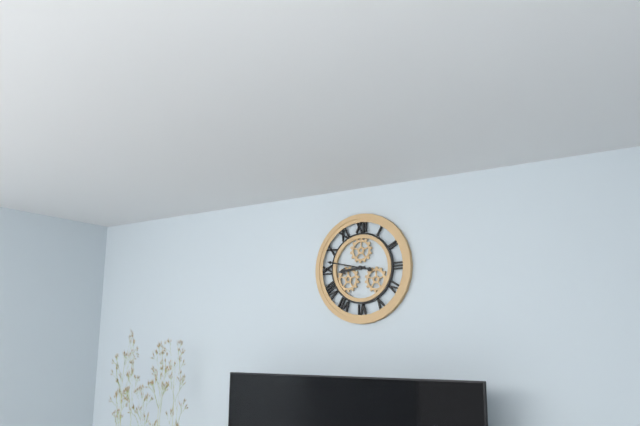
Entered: 8.47
